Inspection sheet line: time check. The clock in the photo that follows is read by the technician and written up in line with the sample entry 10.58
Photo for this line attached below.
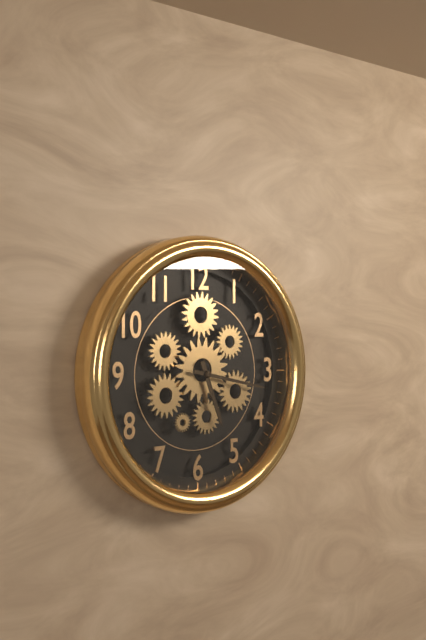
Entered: 5.17
